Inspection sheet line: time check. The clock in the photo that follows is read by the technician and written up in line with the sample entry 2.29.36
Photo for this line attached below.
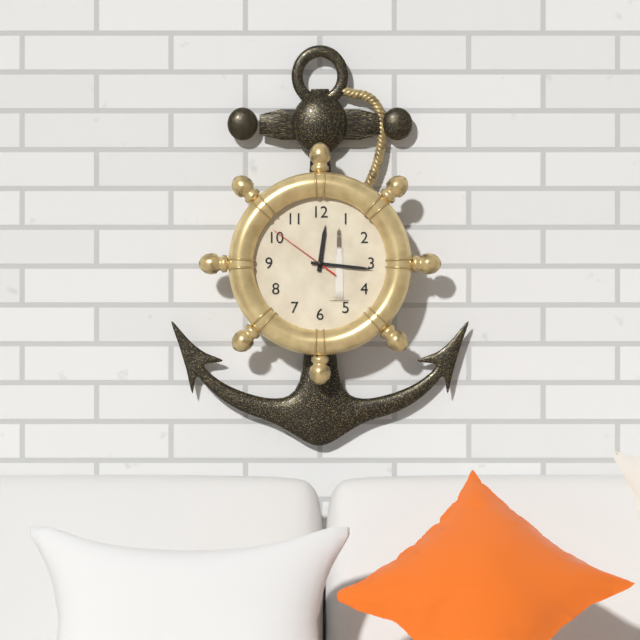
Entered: 12.16.51
